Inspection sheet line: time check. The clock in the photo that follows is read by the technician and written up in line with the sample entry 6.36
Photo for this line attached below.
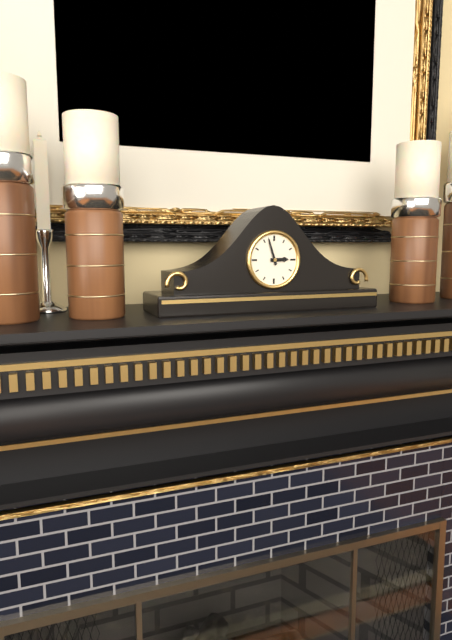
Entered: 2.57
